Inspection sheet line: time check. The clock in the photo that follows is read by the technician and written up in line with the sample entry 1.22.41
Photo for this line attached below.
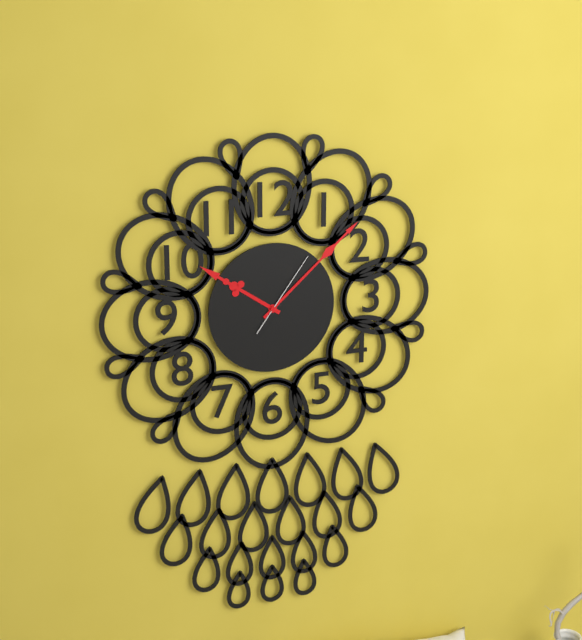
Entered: 10.08.06
